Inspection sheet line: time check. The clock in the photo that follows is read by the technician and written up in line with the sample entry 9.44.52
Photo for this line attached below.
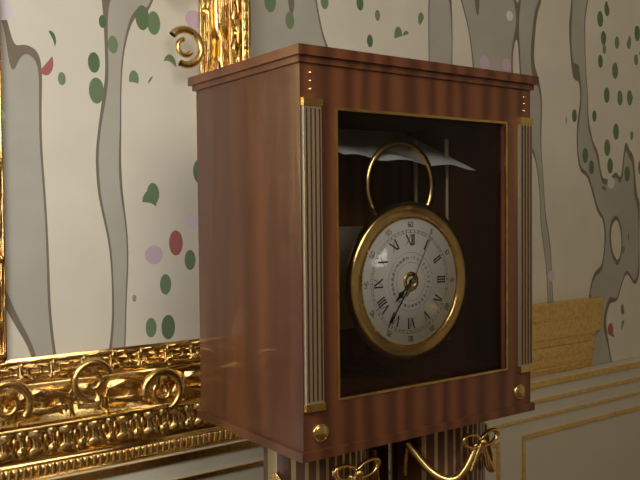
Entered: 7.36.05
